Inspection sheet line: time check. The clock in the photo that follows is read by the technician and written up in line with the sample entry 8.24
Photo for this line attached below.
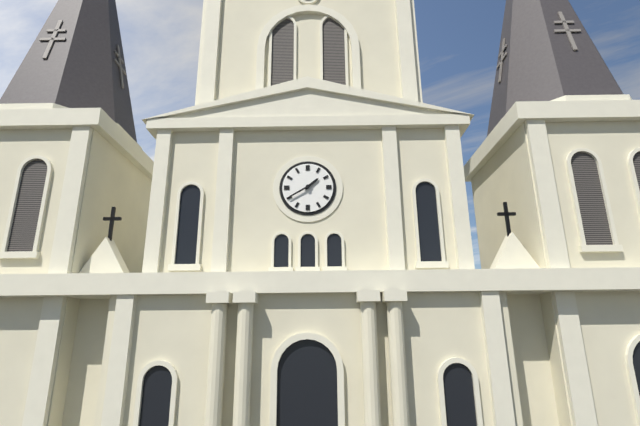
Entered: 1.40
